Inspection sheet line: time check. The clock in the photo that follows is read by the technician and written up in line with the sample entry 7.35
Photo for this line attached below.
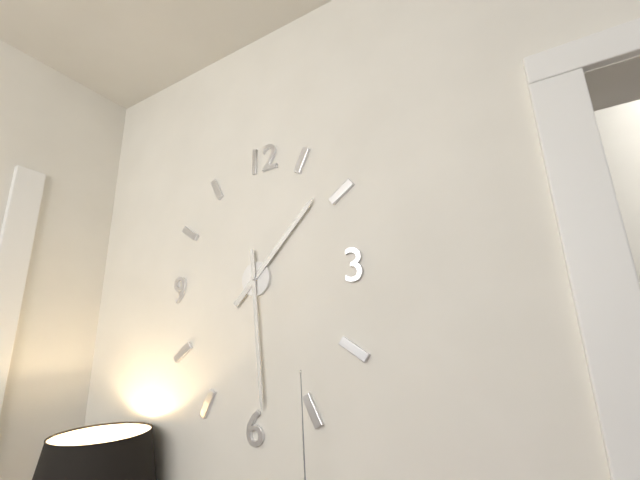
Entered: 1.29
